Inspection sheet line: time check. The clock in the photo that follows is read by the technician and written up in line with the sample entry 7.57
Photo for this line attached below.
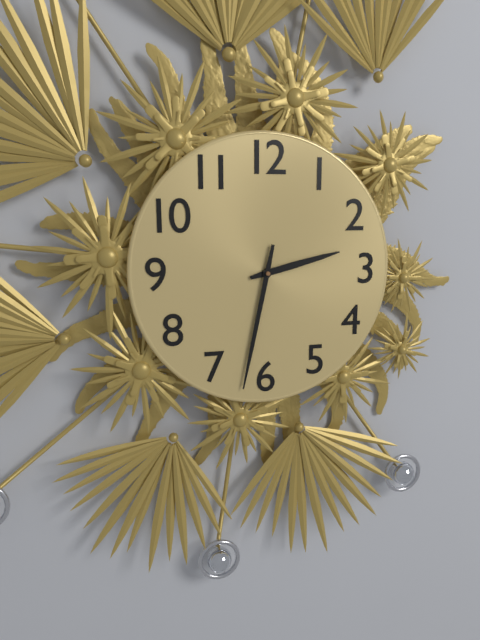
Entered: 2.32
